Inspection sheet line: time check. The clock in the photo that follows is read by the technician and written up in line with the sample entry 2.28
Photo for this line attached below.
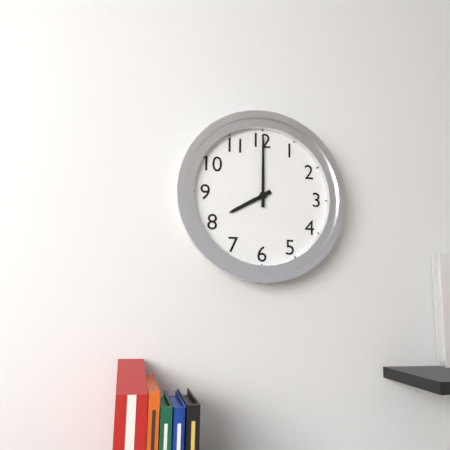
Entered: 8.00
